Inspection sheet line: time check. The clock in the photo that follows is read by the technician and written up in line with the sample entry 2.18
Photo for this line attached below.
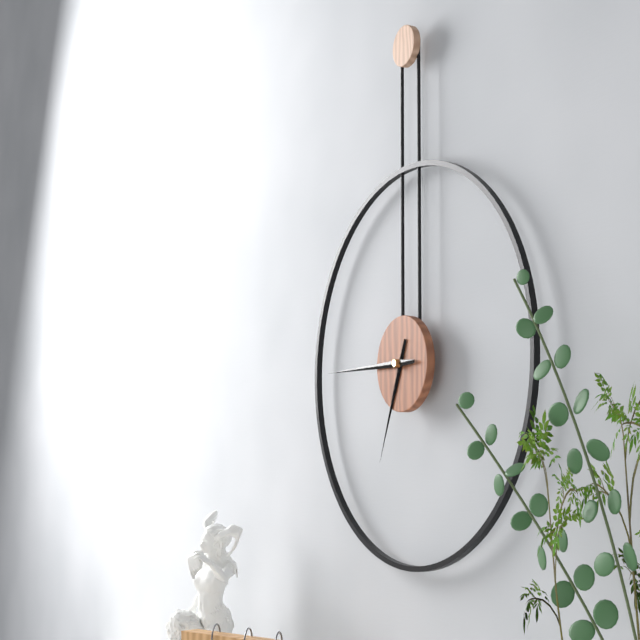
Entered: 6.45
